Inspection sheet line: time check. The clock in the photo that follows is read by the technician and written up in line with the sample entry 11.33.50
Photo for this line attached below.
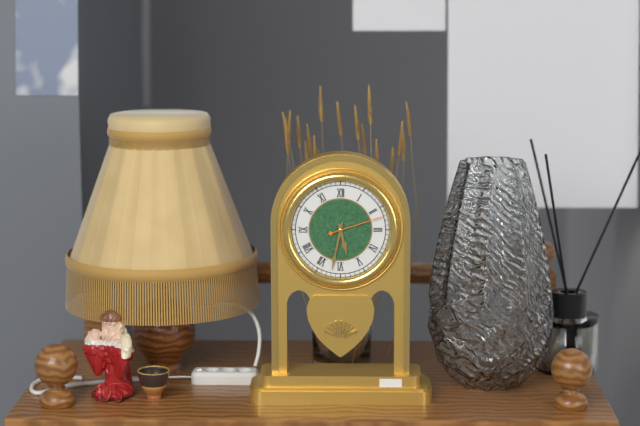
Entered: 5.32.12
